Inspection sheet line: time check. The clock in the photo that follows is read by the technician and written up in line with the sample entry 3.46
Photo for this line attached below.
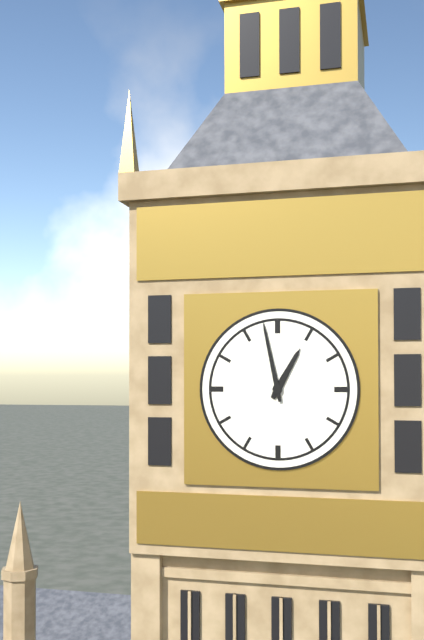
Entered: 12.58
